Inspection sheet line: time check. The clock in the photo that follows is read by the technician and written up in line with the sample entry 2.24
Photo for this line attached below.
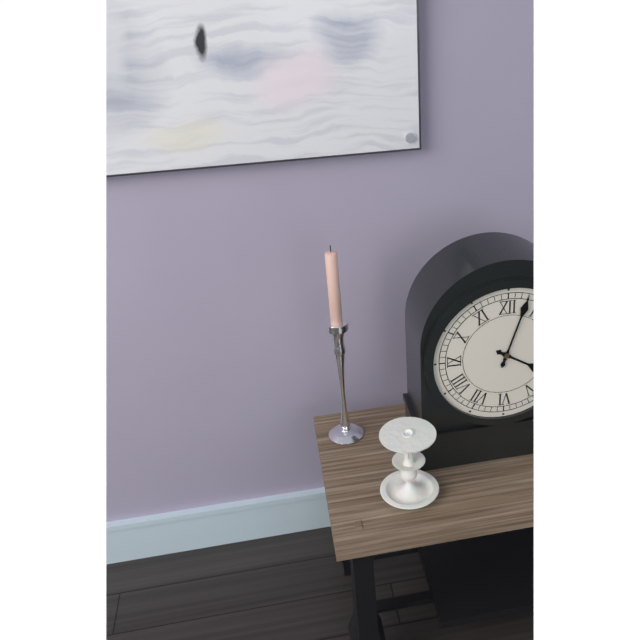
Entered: 4.03
